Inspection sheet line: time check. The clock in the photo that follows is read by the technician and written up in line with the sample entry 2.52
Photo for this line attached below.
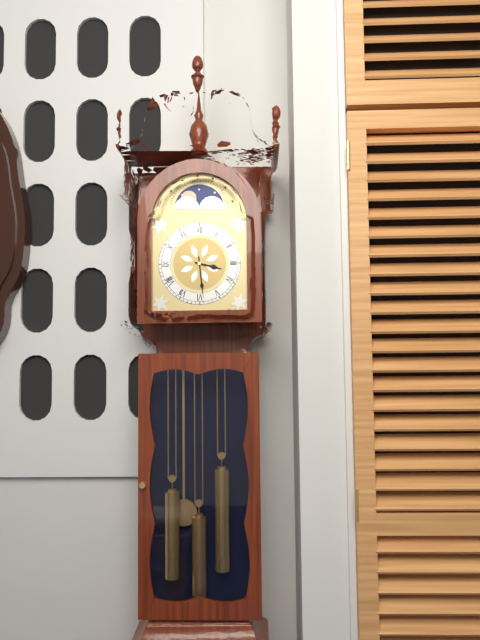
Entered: 3.29
